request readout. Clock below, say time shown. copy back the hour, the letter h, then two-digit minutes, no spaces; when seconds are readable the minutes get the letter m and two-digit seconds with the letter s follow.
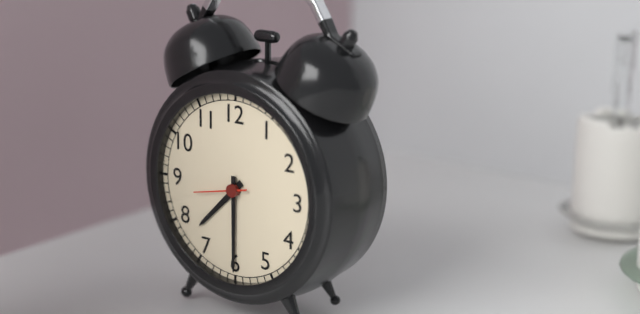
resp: 7h30m43s
